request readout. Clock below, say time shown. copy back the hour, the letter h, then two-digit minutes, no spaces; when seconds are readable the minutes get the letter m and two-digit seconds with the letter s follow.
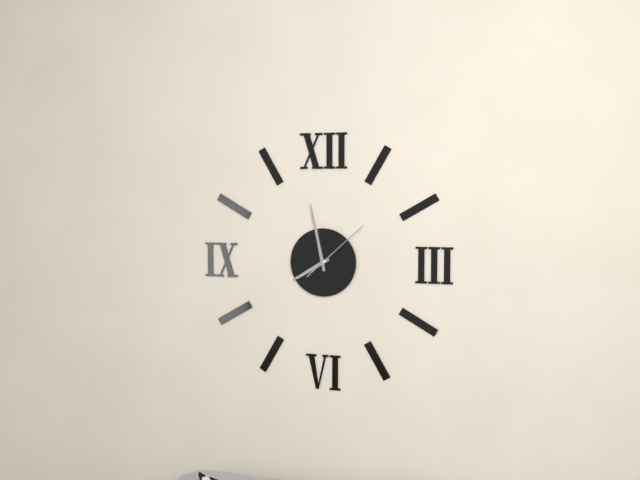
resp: 7h58m08s
